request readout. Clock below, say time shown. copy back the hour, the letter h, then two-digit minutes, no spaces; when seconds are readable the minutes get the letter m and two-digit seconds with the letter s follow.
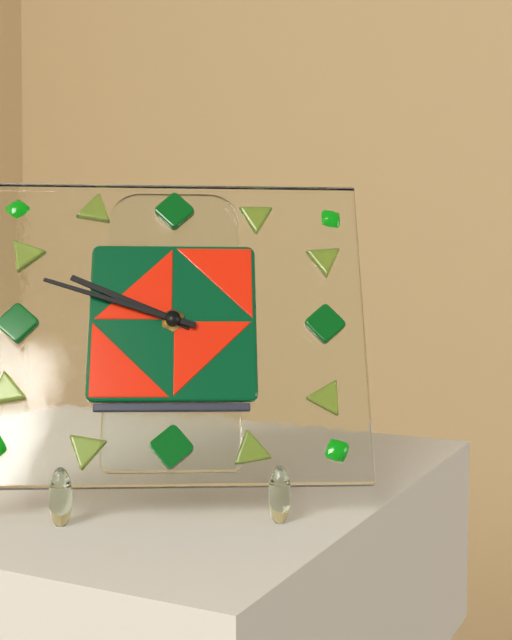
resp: 9h48
